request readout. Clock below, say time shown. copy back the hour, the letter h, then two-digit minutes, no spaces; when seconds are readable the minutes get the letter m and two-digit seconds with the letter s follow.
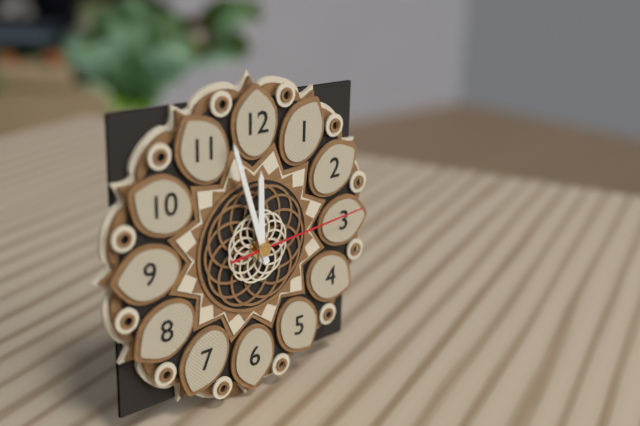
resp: 11h57m14s
